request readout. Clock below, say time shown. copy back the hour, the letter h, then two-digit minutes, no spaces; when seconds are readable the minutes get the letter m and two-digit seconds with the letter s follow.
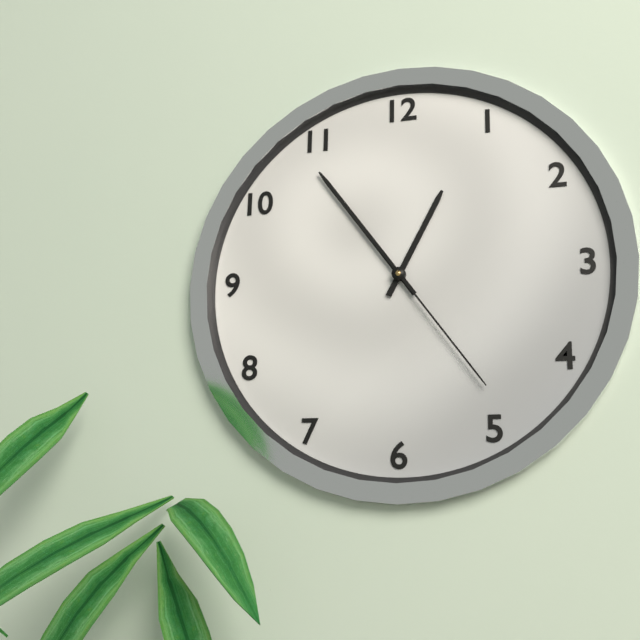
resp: 12h54m24s
